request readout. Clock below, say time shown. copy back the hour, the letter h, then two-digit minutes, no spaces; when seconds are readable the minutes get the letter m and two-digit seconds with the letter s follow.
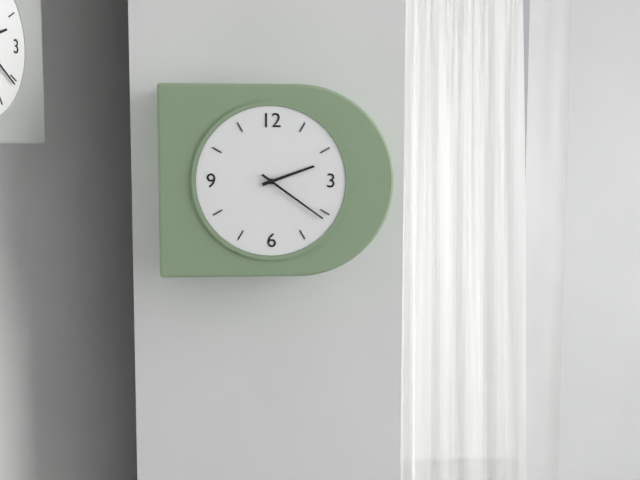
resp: 2h21
